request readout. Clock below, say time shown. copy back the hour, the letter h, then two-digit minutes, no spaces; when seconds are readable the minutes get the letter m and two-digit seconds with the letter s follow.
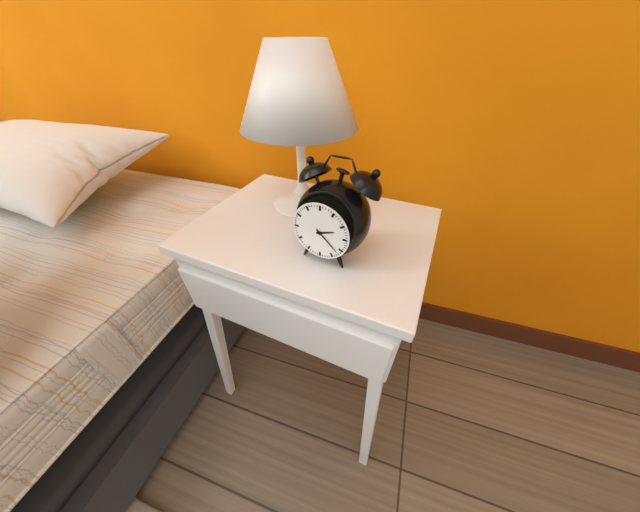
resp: 2h22
